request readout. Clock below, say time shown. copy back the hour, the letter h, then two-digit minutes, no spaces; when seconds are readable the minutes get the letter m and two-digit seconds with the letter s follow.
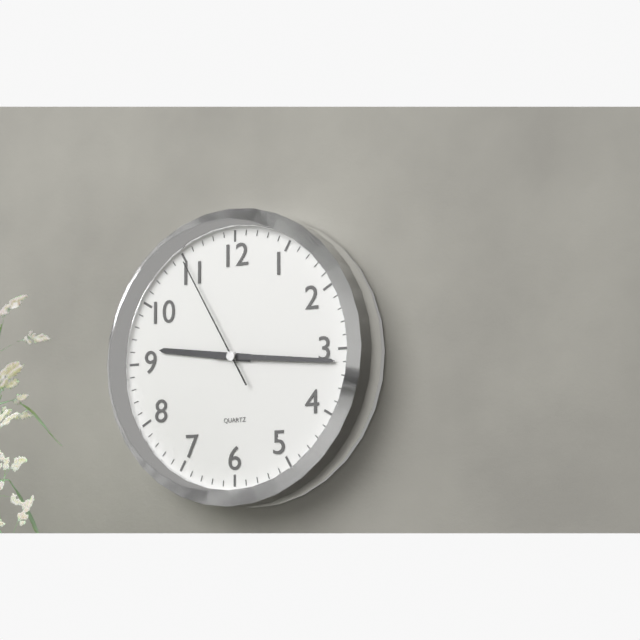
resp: 9h16m55s
